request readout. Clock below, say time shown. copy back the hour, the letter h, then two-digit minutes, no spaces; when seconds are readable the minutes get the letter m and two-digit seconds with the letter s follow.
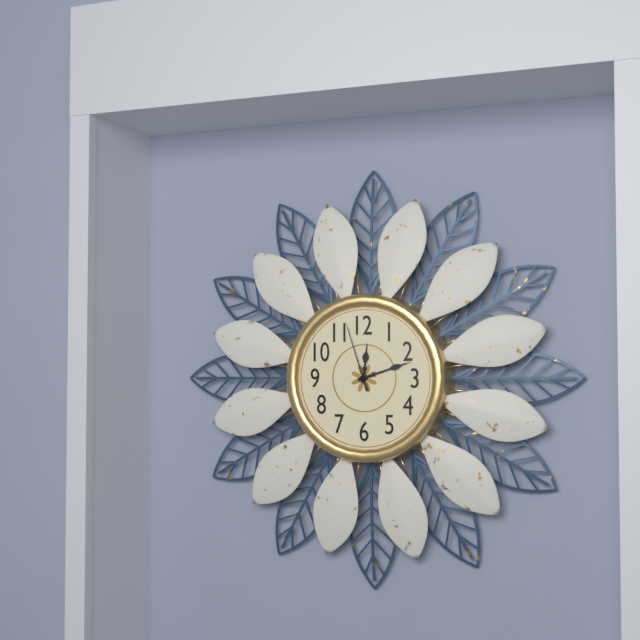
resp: 12h12m57s
